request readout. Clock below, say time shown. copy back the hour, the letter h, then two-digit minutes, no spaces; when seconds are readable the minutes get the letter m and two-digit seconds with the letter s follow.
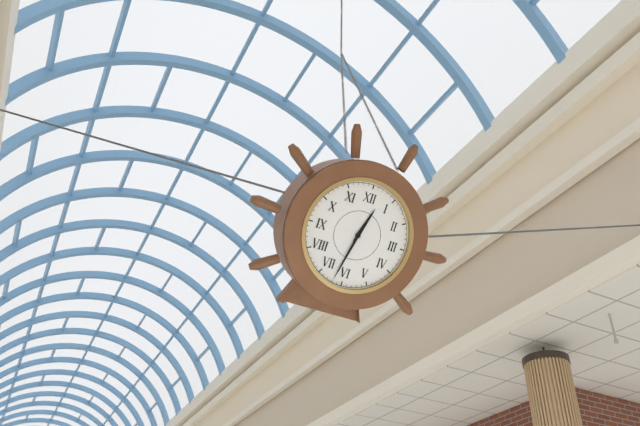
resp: 12h32
